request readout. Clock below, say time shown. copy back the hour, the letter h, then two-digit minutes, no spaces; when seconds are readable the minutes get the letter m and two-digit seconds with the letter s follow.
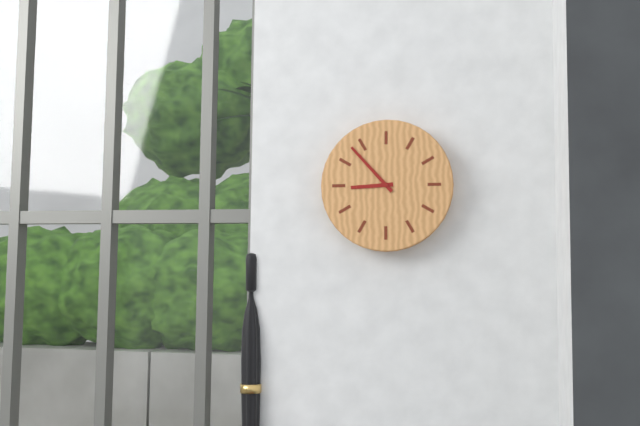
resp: 8h53
